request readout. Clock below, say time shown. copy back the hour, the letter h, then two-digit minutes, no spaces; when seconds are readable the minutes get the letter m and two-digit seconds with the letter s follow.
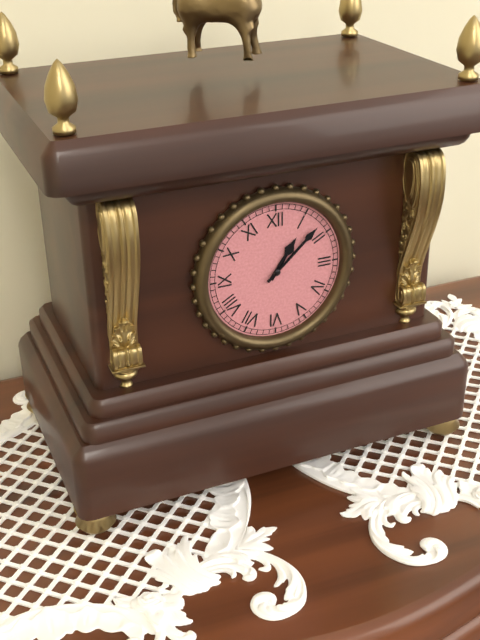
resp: 1h08
